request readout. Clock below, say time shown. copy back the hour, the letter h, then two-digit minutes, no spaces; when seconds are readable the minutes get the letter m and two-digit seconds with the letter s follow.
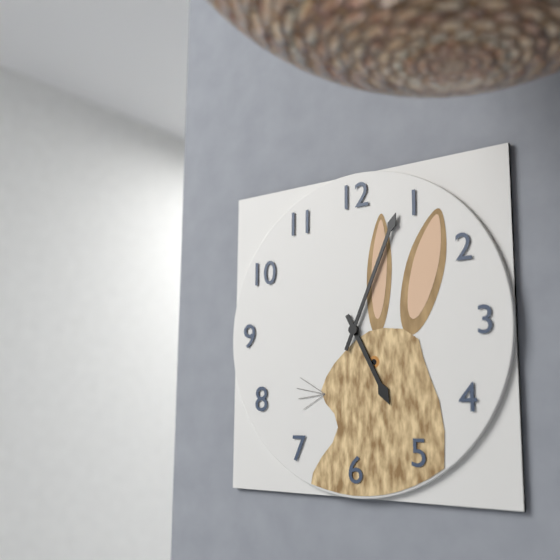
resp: 5h04
